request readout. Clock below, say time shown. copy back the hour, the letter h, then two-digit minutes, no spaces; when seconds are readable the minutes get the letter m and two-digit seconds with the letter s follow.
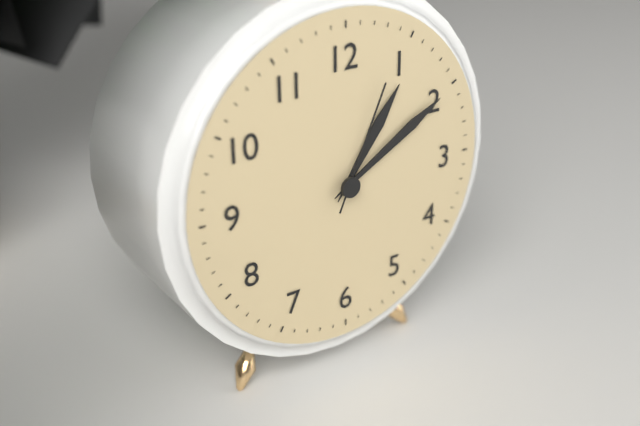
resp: 1h10m04s
